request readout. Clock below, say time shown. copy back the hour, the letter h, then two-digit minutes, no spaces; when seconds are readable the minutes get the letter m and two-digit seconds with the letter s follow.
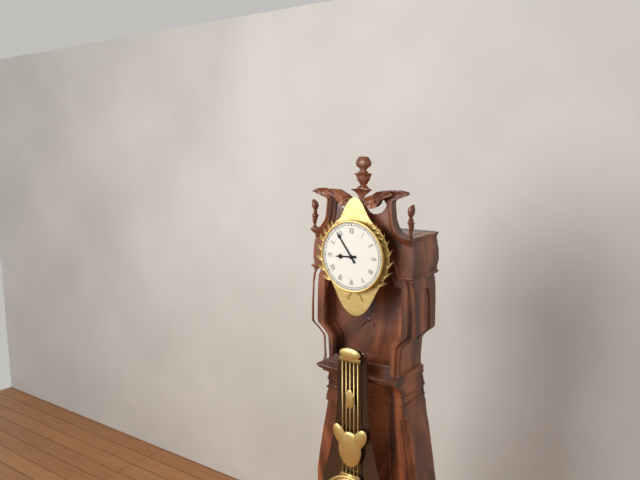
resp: 8h54
